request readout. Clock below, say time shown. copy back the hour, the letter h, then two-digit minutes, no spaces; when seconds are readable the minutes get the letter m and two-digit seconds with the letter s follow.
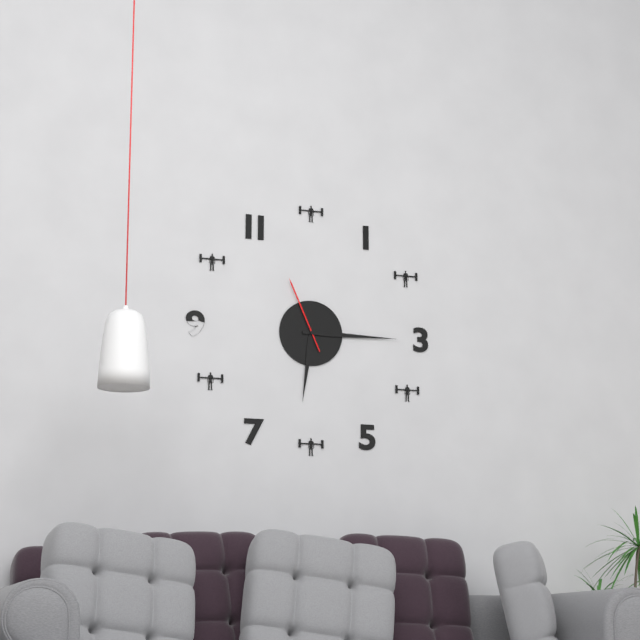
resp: 6h15m56s
